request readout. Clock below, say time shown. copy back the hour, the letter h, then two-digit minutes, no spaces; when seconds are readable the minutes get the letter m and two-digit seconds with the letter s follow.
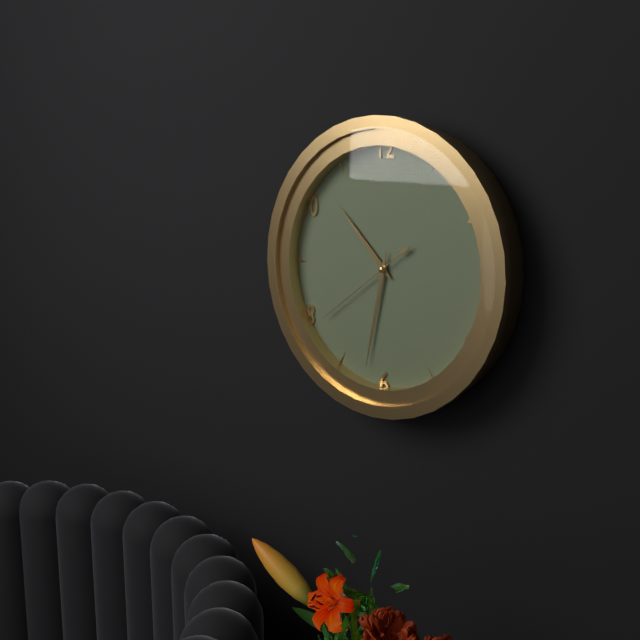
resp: 10h32m39s
